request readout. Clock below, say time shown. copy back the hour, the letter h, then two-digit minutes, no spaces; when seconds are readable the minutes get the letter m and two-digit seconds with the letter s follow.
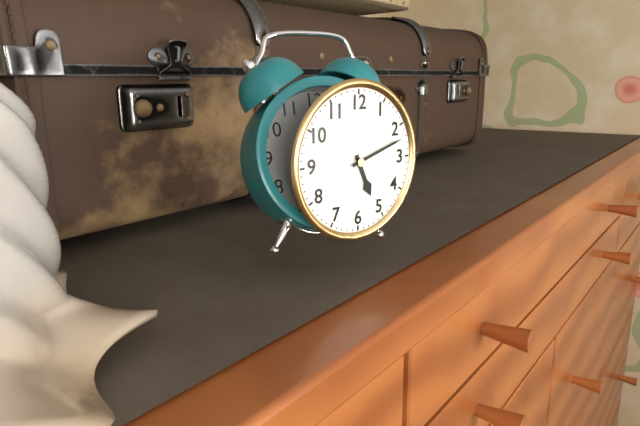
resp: 5h12
